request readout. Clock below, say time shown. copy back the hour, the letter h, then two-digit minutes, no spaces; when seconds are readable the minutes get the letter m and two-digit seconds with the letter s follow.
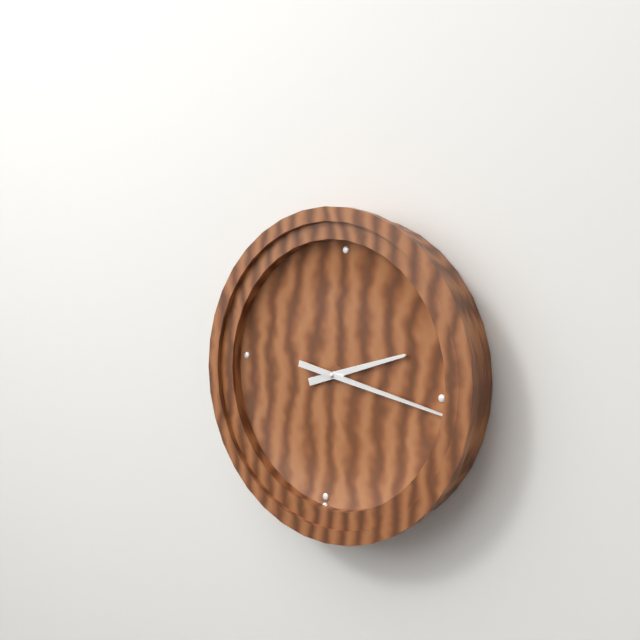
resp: 2h16
